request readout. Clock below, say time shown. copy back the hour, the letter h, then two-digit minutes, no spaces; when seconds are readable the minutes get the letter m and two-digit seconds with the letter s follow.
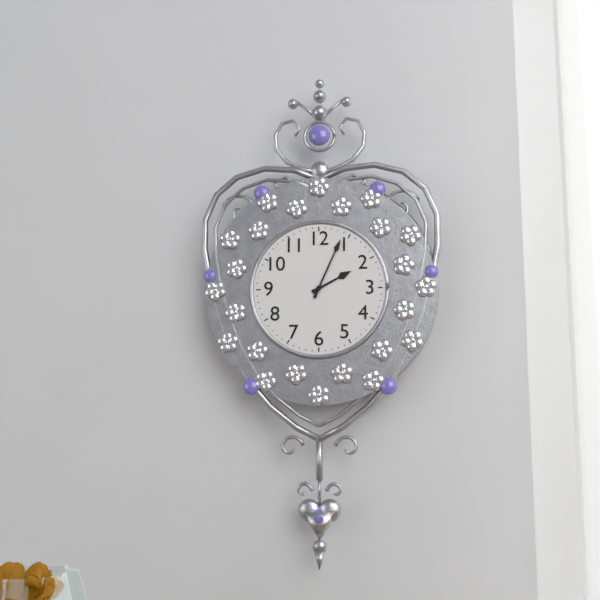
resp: 2h04
